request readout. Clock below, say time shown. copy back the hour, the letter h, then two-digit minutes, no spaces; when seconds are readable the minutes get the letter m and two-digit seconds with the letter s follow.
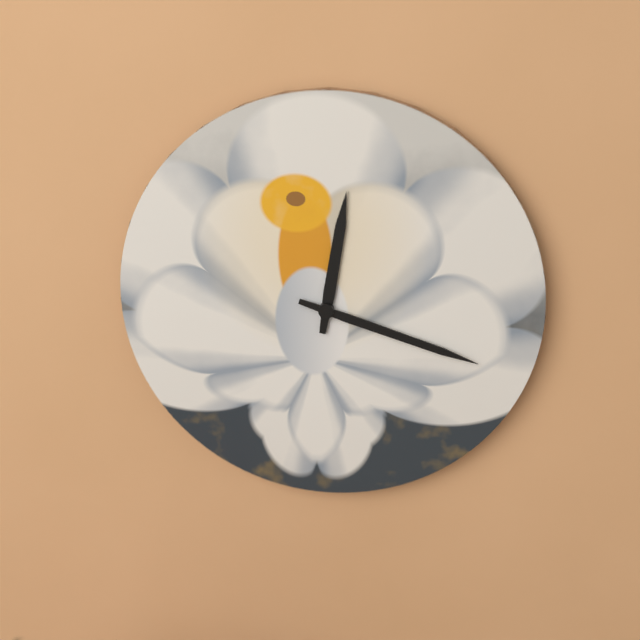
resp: 12h18
